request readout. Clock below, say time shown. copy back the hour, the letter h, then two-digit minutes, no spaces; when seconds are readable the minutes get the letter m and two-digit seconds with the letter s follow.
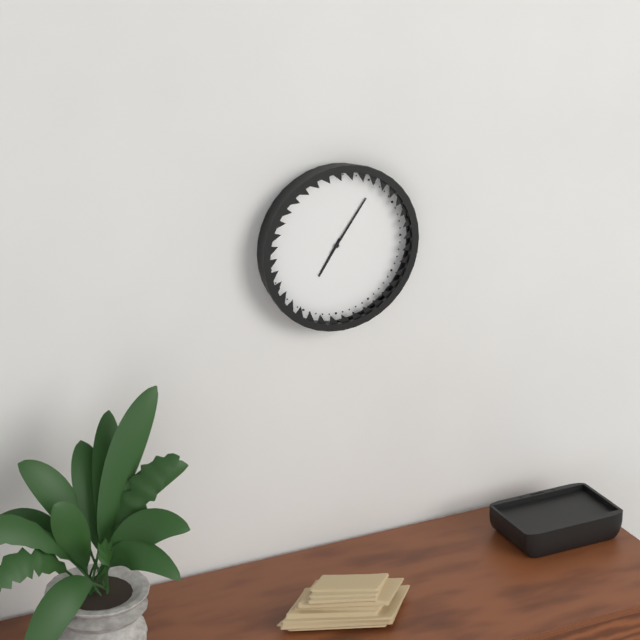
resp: 7h06
